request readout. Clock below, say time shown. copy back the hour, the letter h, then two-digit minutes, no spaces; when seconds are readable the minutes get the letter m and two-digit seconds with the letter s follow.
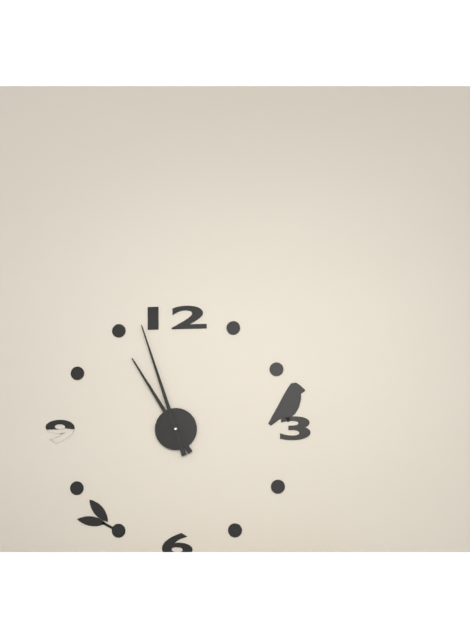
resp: 10h57
